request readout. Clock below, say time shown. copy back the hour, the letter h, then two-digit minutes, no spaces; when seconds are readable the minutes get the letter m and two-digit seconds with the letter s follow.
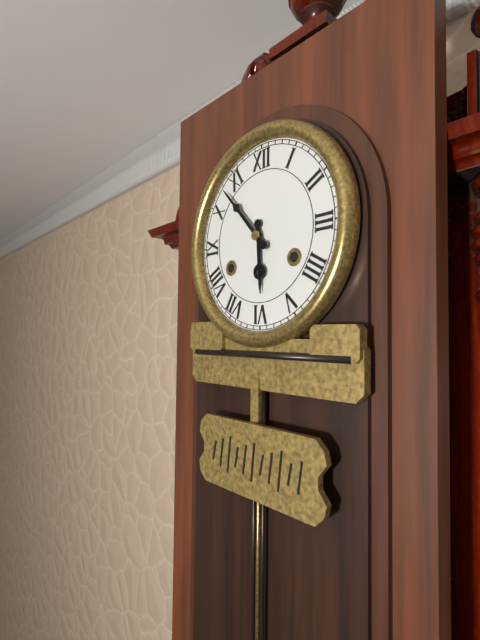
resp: 5h53
